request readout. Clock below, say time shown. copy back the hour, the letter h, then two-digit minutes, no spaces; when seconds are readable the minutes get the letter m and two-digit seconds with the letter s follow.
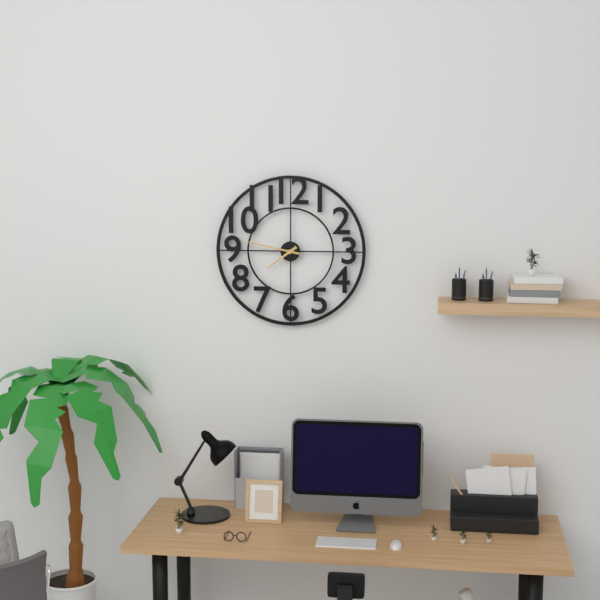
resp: 7h47
